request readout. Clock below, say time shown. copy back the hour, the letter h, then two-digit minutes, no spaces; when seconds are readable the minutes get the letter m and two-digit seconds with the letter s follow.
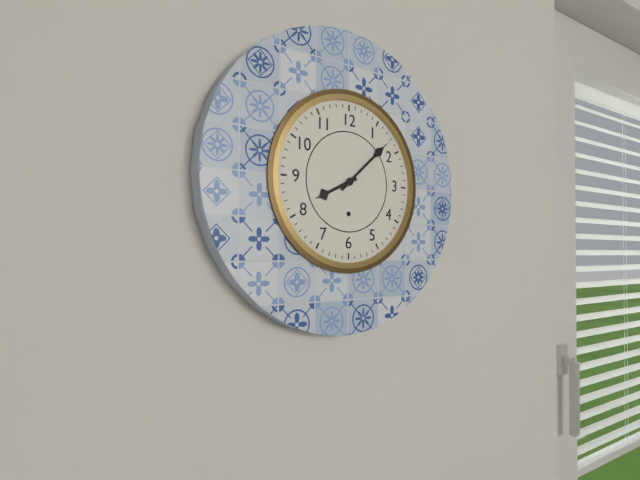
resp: 8h08
